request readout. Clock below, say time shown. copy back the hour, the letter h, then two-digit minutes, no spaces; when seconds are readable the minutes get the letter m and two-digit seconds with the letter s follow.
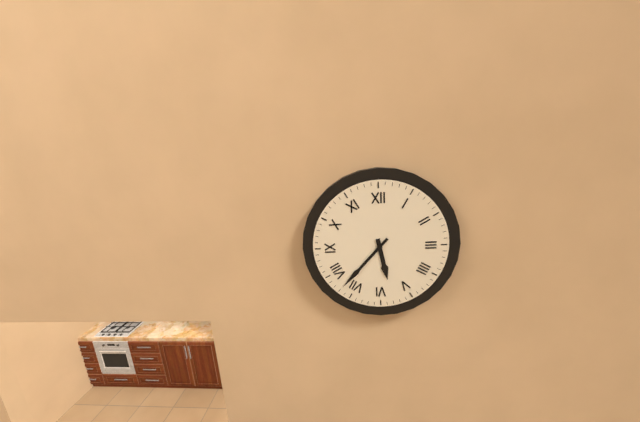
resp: 5h37
